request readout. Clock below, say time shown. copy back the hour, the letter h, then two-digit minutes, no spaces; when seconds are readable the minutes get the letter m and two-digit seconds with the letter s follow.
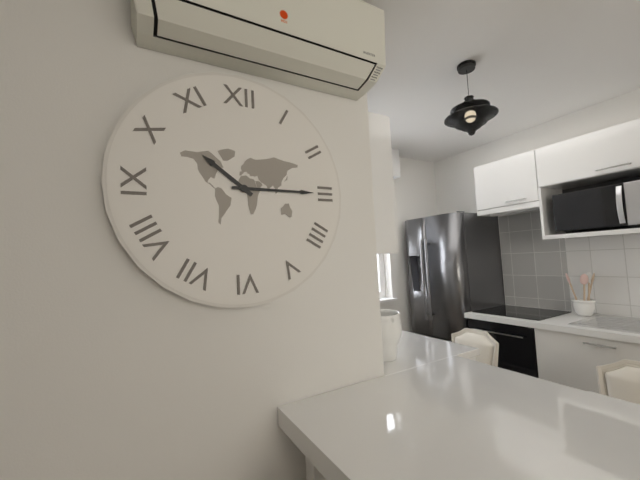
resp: 10h15
